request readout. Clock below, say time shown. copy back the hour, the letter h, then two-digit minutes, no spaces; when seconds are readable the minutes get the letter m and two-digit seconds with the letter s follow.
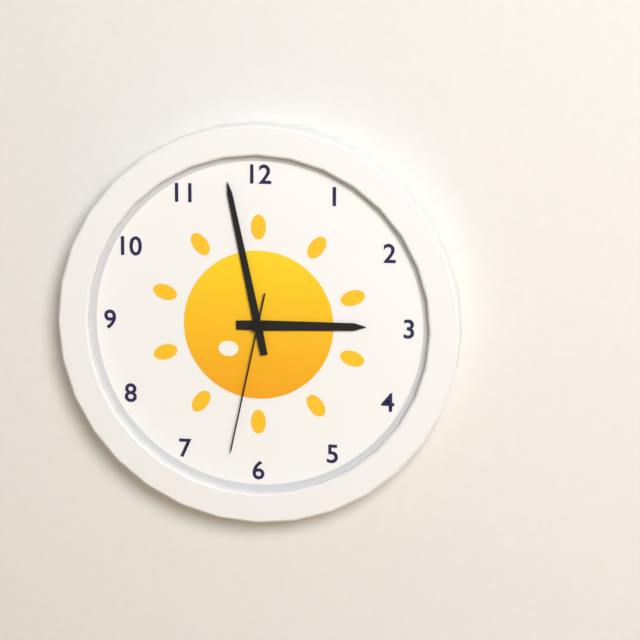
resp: 2h58m32s
